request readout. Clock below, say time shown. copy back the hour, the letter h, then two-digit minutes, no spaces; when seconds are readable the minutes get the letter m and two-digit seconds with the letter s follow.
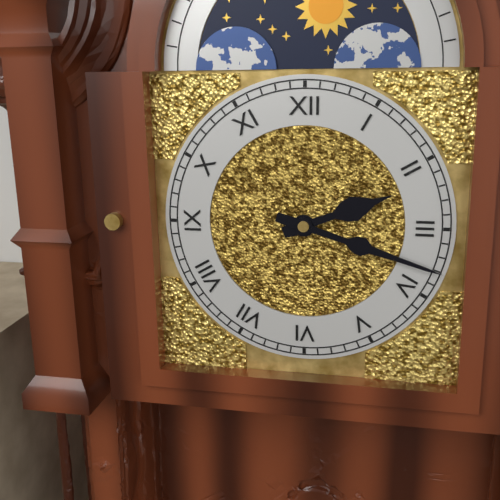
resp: 2h18
